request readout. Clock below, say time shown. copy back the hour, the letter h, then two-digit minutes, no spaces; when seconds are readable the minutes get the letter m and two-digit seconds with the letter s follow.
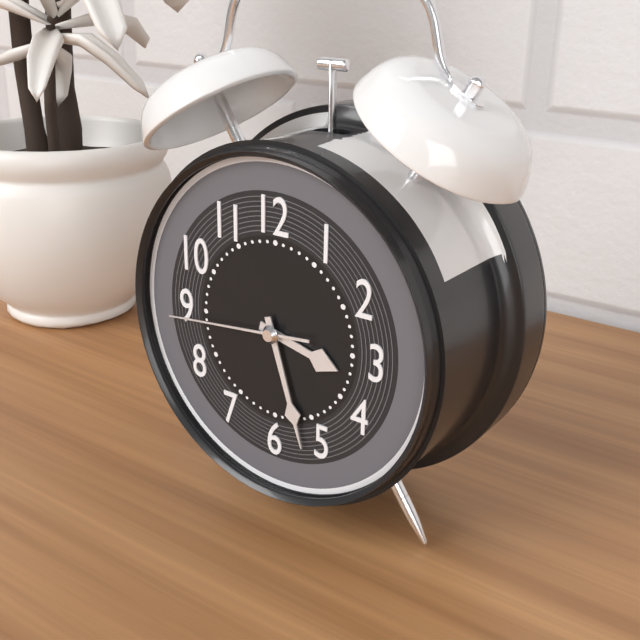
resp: 3h27m44s
